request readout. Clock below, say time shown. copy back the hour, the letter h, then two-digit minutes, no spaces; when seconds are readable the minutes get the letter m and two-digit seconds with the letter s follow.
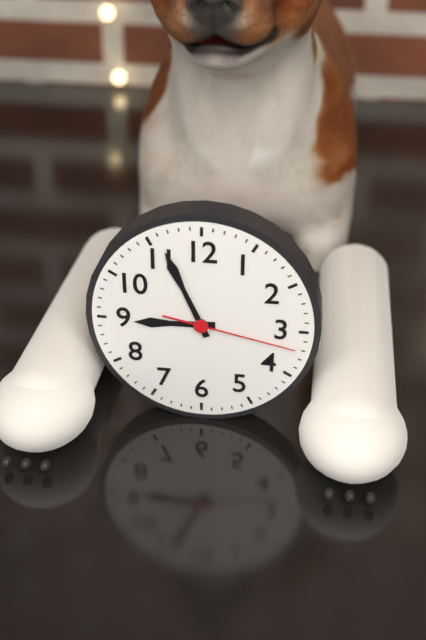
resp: 8h56m17s
